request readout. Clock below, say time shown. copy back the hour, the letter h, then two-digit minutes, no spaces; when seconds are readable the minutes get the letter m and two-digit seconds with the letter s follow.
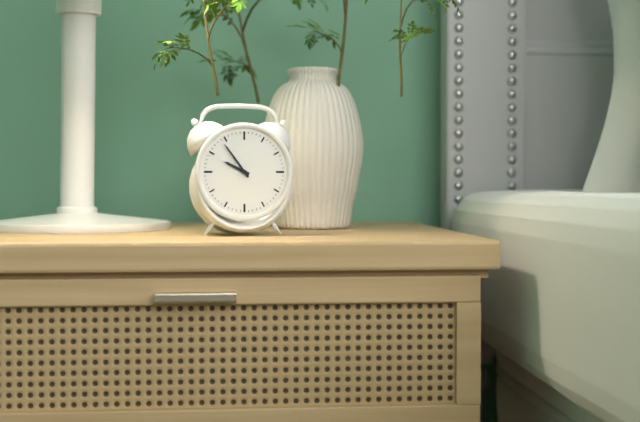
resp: 9h54
